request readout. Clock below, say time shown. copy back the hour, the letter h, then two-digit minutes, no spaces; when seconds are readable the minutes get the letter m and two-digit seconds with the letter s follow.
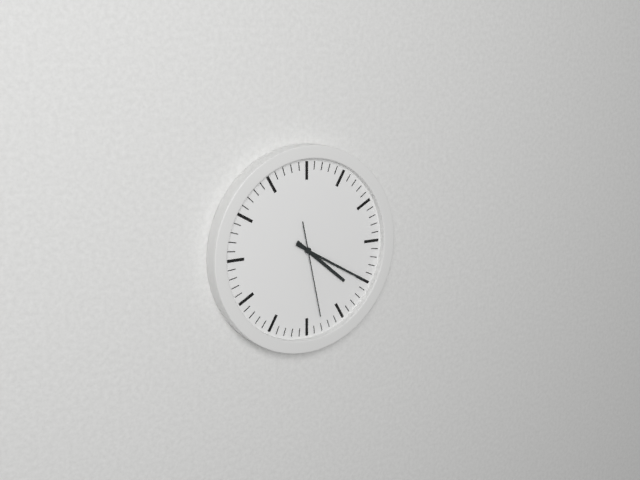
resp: 4h20m28s
